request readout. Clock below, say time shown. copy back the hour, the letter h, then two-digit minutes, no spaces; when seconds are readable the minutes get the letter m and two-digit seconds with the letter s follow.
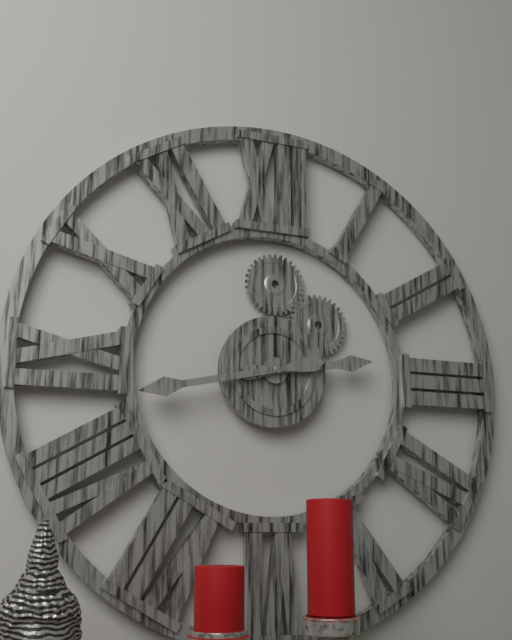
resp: 2h43
